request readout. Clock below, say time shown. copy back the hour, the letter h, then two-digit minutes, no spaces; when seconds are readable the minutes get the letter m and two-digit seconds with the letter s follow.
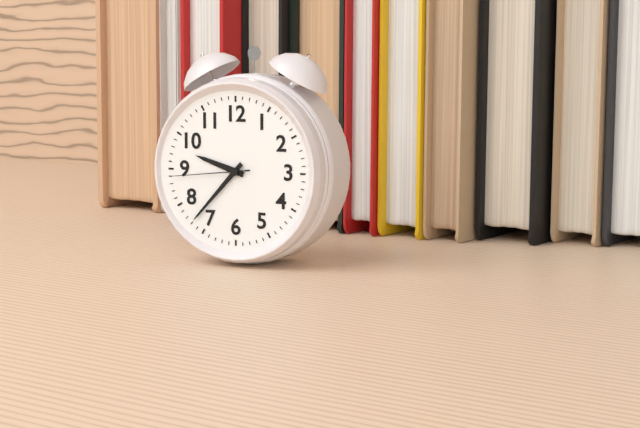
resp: 9h37m44s
